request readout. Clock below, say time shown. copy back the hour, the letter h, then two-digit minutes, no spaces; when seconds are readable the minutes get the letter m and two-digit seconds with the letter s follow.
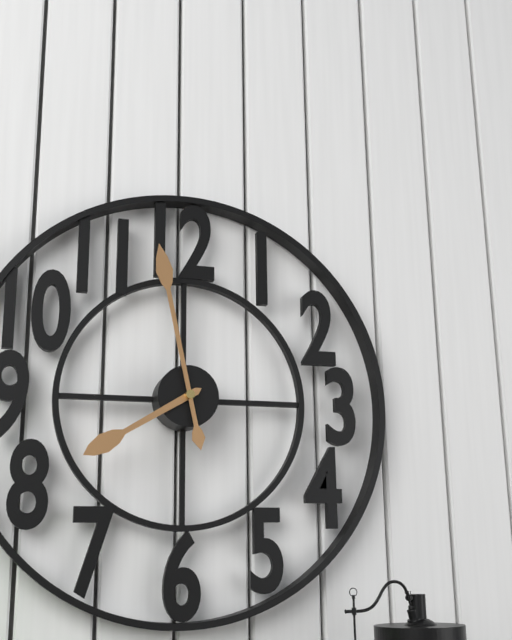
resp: 7h58
